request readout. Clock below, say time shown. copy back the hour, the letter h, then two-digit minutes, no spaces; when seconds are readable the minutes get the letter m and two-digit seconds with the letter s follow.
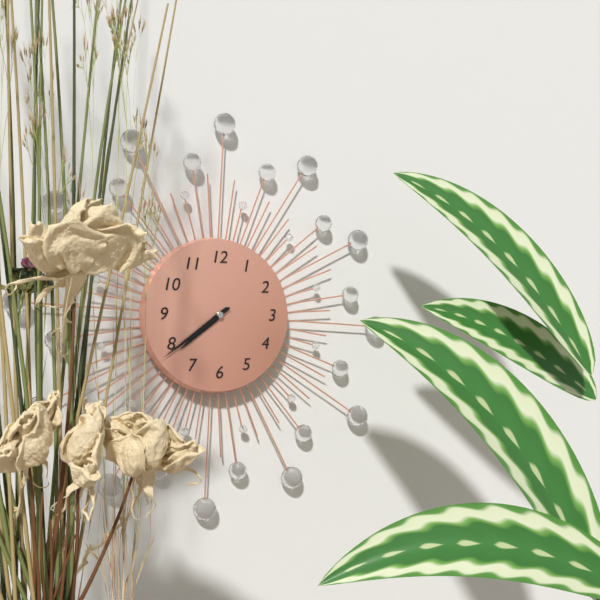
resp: 7h39
